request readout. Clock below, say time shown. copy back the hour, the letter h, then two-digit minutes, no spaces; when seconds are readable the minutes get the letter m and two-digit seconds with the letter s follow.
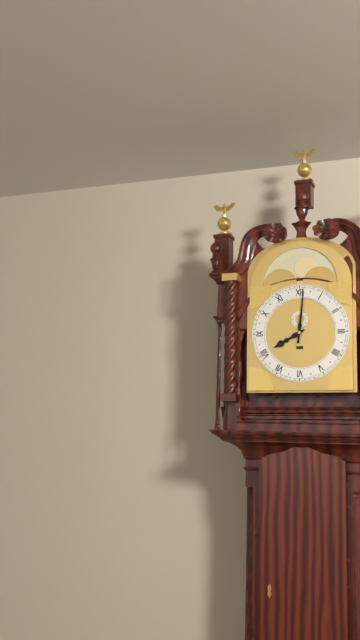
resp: 8h01
